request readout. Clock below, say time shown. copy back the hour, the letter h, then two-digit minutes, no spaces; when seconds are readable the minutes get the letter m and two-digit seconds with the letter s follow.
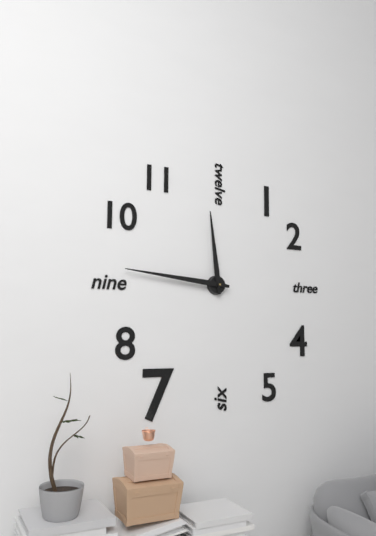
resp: 11h46
